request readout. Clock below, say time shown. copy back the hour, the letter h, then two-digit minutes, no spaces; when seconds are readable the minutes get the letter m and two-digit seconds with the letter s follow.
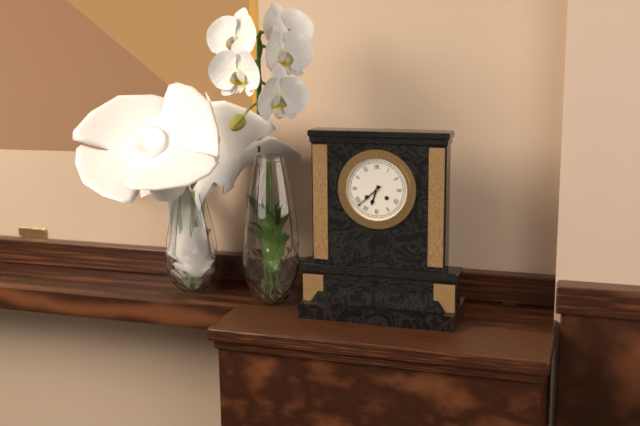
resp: 6h38
